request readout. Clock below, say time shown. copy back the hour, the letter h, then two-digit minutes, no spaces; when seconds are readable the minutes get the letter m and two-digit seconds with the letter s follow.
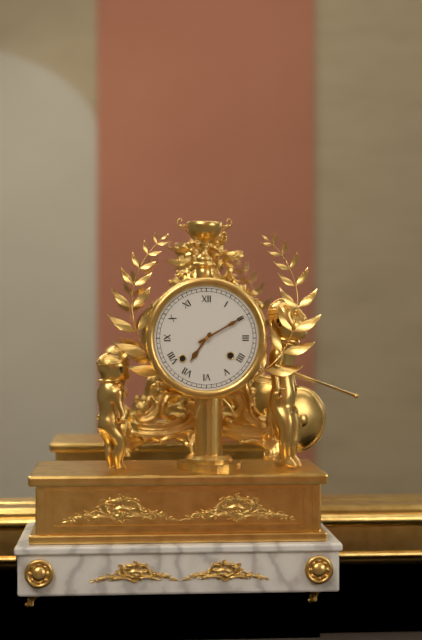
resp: 7h10
